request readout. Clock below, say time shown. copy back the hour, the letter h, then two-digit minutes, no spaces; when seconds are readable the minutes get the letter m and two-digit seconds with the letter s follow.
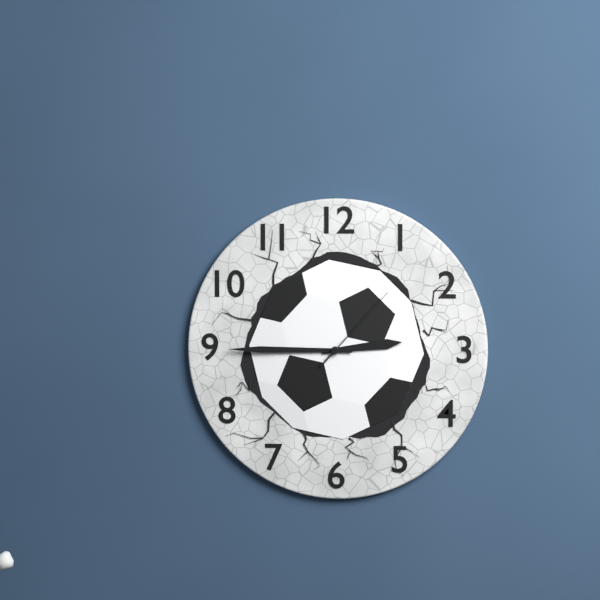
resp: 2h45m07s
